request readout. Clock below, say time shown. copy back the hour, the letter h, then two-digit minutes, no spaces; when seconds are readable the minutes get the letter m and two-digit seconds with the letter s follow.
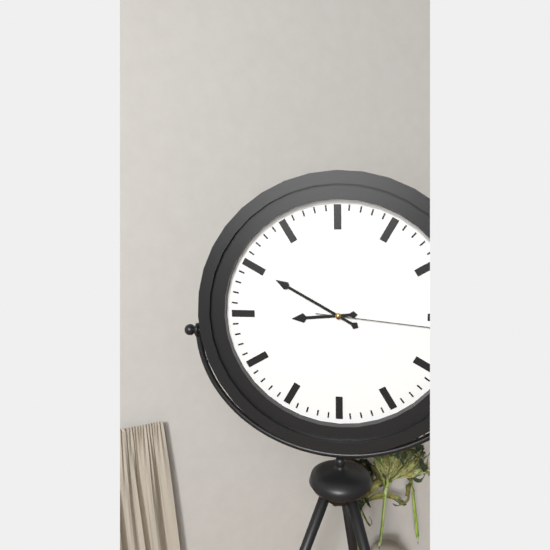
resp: 8h50m16s
